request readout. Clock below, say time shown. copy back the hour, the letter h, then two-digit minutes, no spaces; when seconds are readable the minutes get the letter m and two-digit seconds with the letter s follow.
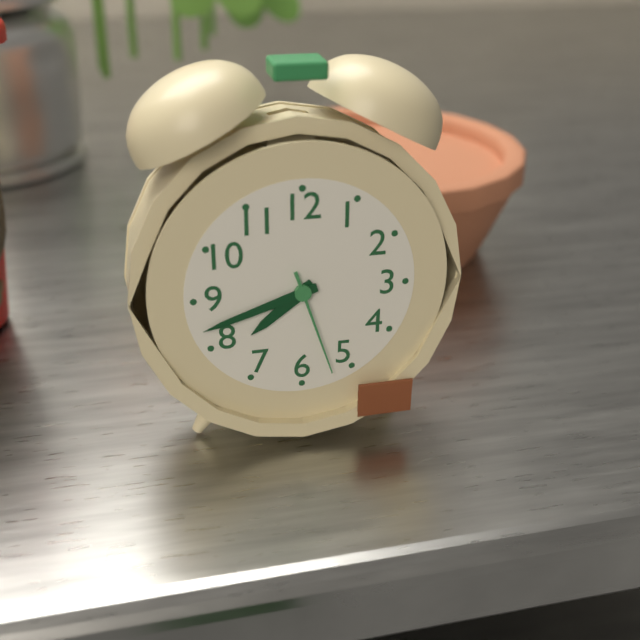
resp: 7h42m27s
